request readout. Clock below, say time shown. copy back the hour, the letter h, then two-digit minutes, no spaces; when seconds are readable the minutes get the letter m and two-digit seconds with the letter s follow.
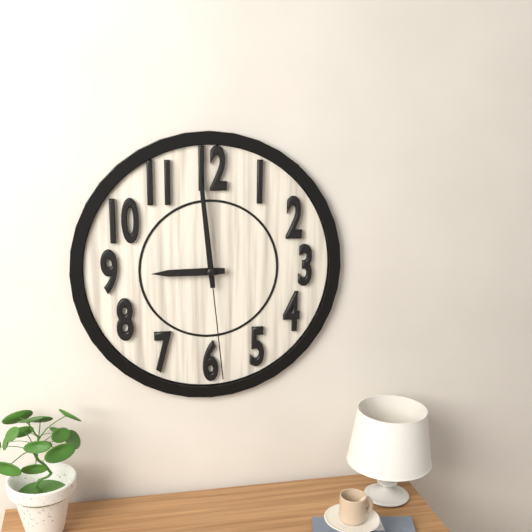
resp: 8h59m29s
